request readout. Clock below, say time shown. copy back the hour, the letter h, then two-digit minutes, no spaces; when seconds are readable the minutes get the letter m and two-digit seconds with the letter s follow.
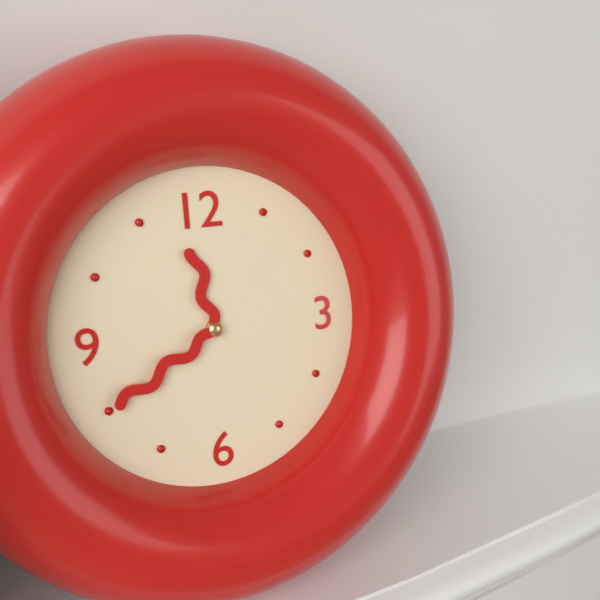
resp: 11h40
